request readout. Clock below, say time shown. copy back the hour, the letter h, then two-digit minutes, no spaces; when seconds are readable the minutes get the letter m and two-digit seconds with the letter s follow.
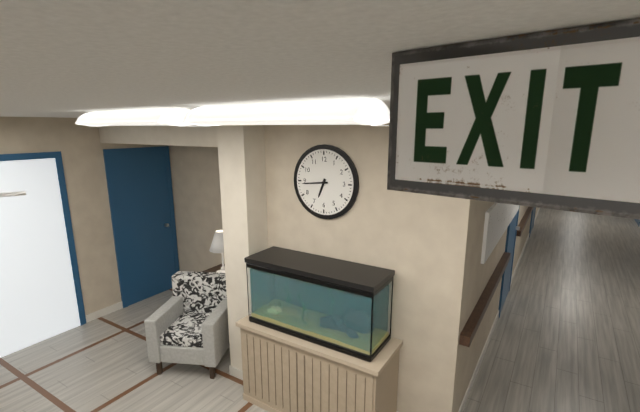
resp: 6h44
